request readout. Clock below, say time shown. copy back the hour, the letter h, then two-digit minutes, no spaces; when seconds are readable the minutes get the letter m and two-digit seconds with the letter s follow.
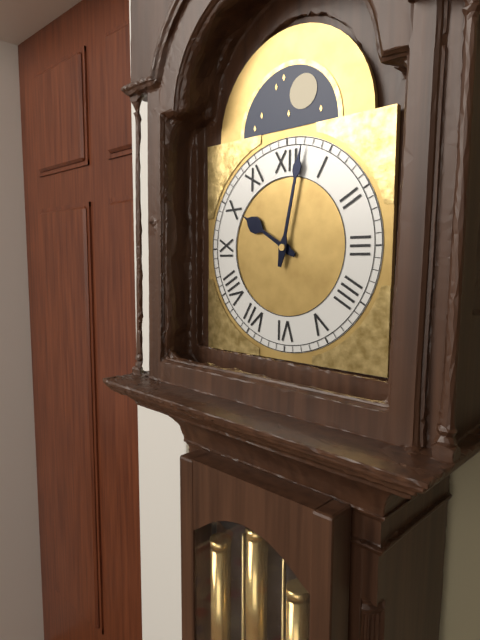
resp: 10h02
